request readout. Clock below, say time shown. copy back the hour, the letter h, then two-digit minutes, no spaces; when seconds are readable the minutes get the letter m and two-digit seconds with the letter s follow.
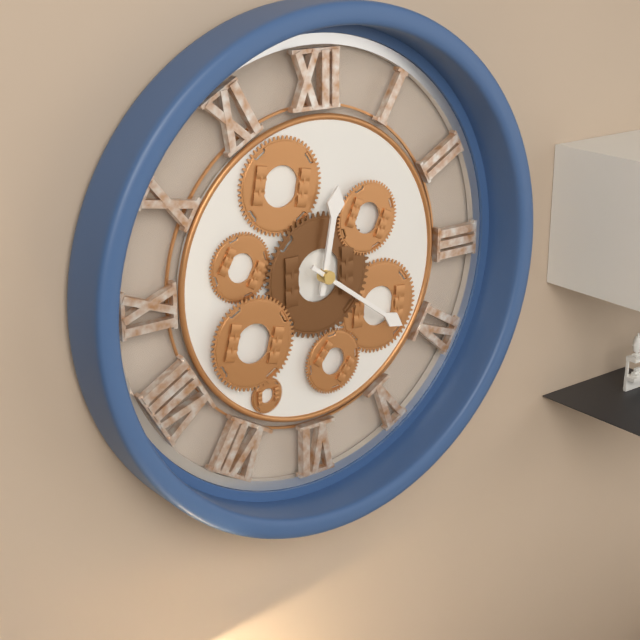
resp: 12h21
